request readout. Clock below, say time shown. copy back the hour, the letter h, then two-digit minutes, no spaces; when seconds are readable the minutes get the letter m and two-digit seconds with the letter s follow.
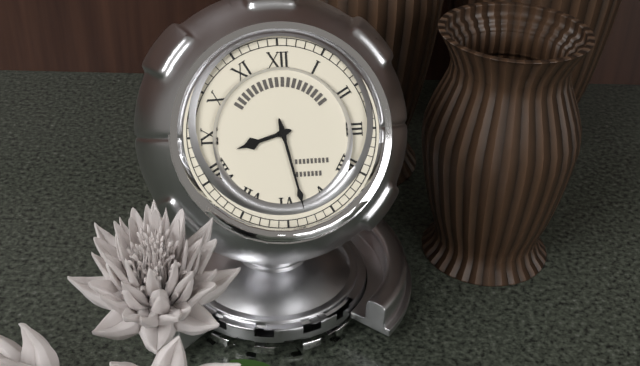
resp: 8h28
